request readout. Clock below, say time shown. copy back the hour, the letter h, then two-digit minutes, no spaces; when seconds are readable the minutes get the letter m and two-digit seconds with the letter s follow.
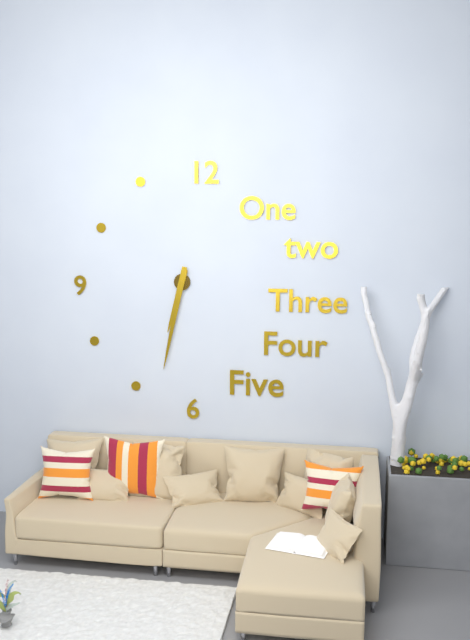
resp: 6h32
